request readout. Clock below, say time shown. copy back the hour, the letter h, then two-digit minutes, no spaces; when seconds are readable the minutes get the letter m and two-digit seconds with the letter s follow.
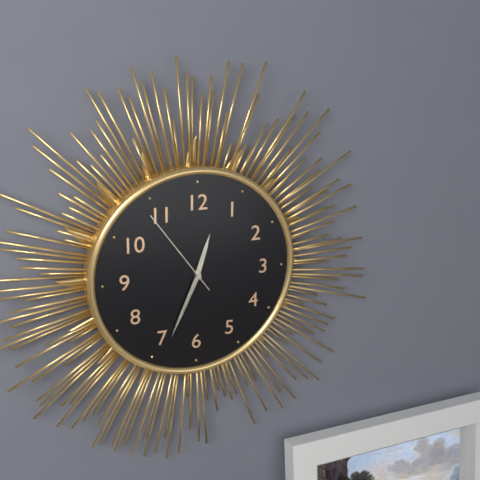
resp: 12h34m54s
